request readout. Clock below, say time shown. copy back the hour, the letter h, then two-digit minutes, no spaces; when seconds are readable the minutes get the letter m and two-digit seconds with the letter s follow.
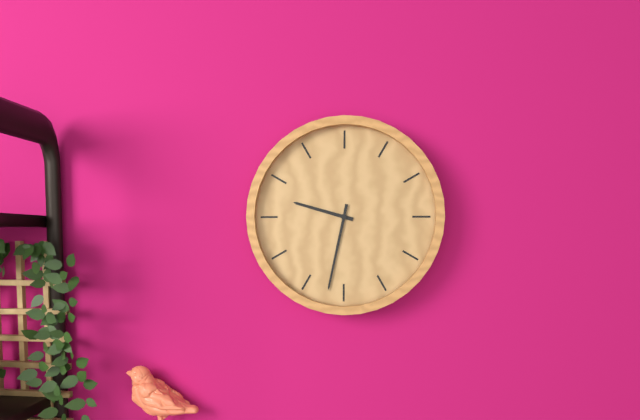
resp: 9h32
